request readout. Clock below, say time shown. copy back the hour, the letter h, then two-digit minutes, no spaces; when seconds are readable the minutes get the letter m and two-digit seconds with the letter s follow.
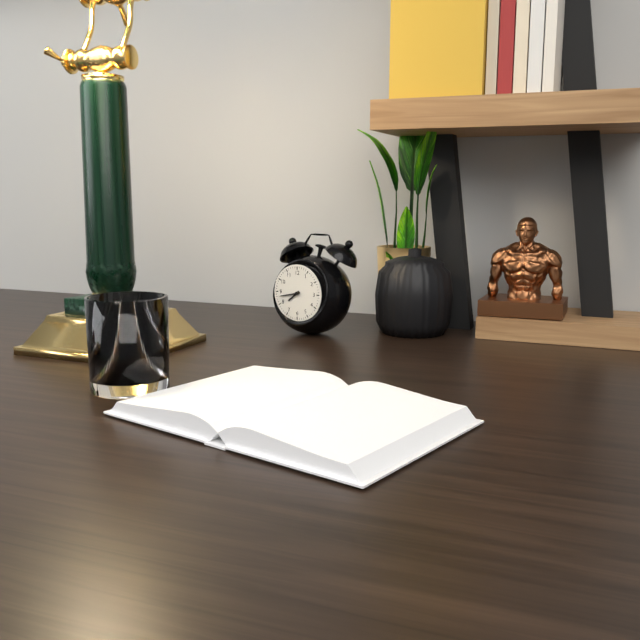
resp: 7h43
